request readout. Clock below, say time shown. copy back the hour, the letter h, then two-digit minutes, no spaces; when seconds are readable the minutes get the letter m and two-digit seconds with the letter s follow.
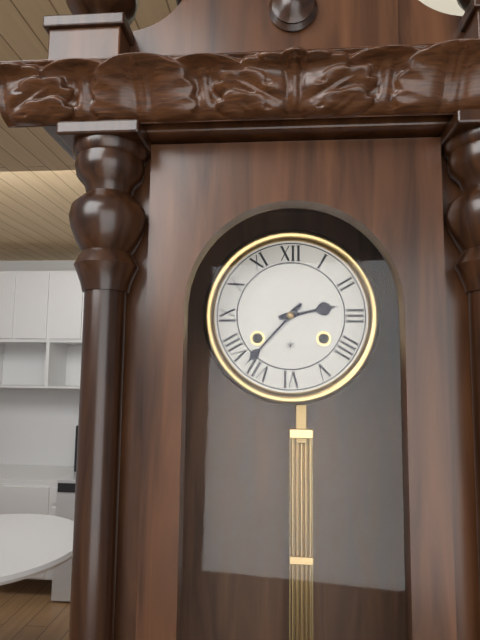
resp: 2h37
